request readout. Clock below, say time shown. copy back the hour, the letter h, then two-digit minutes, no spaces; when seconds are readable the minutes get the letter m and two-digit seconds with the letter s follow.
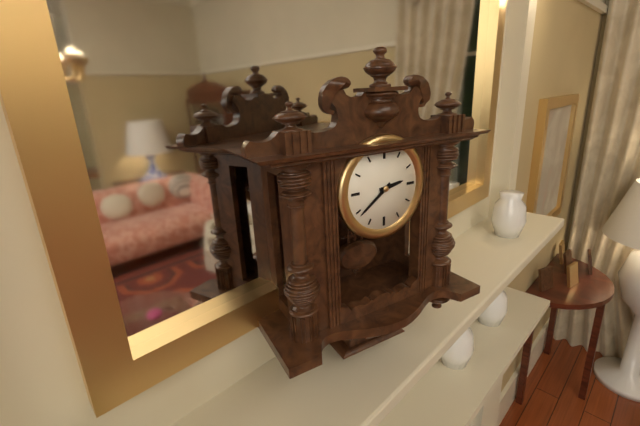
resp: 2h39
